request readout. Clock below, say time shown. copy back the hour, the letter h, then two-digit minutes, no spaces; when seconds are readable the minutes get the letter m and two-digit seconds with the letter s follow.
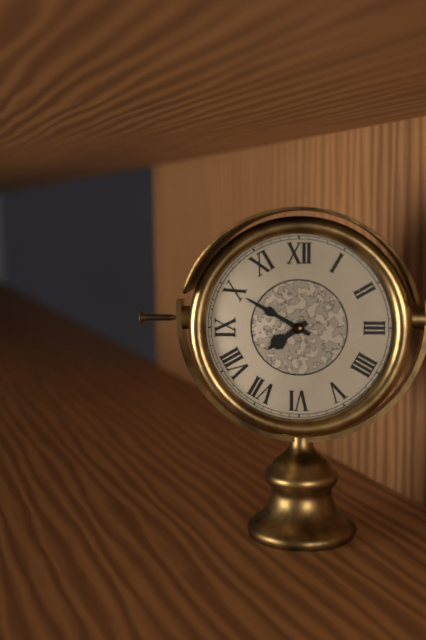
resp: 7h50
